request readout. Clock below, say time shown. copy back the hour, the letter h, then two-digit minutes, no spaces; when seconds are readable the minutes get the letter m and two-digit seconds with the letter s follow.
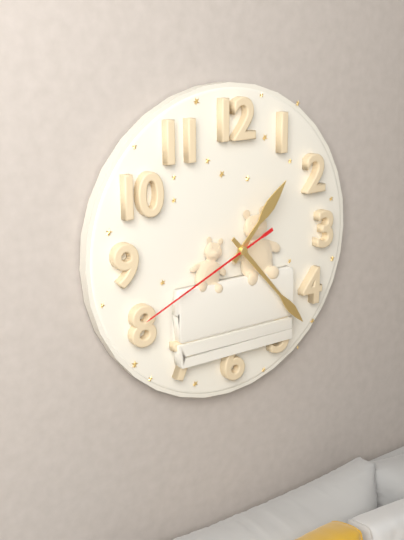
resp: 1h23m41s
